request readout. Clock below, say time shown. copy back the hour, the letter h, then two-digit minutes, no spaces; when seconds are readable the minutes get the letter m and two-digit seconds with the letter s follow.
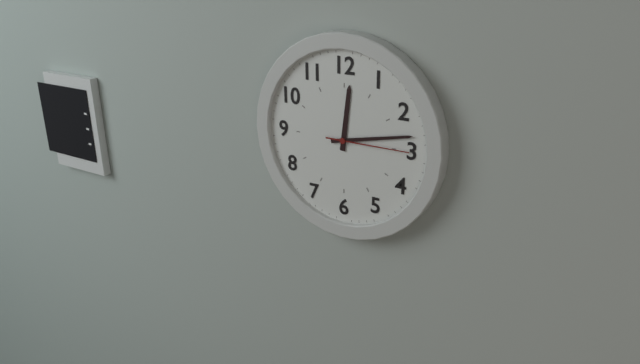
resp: 12h13m15s
